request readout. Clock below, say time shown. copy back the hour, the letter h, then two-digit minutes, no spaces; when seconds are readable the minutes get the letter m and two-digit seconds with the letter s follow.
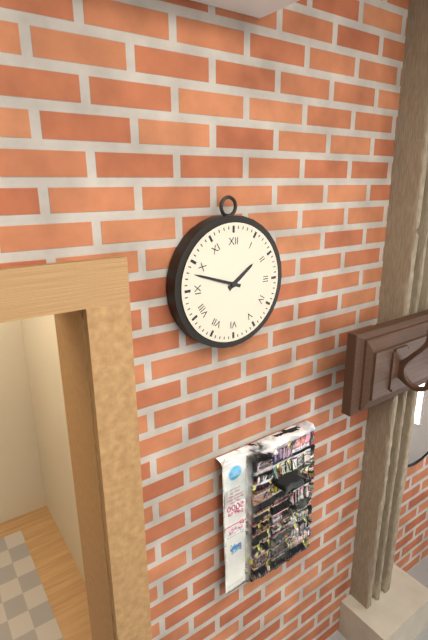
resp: 1h48
